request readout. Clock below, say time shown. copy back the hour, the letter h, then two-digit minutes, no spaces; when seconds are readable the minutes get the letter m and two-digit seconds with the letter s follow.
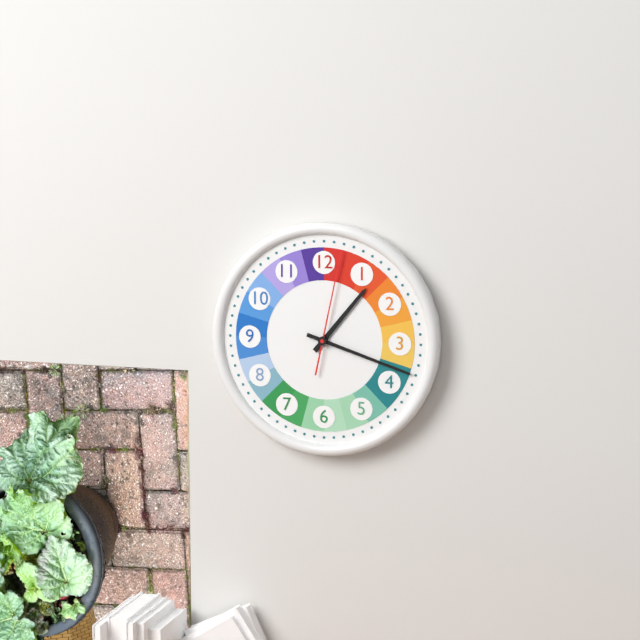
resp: 1h18m02s
